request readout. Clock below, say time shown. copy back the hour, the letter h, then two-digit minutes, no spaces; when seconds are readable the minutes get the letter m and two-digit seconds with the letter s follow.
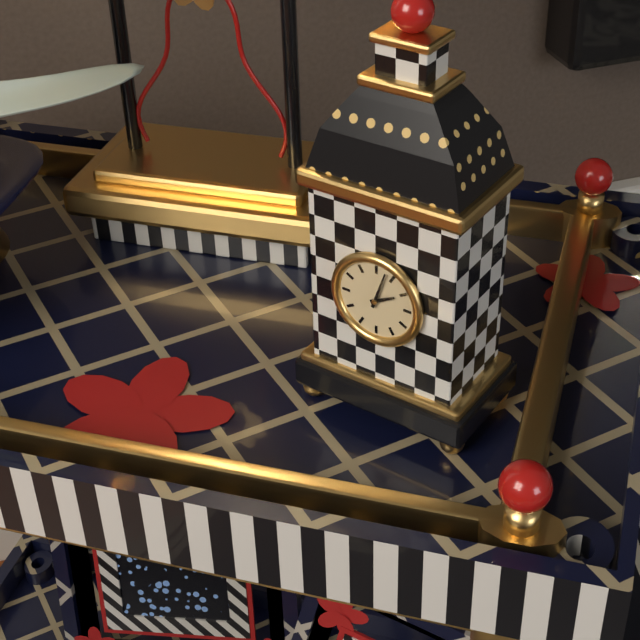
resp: 2h03
